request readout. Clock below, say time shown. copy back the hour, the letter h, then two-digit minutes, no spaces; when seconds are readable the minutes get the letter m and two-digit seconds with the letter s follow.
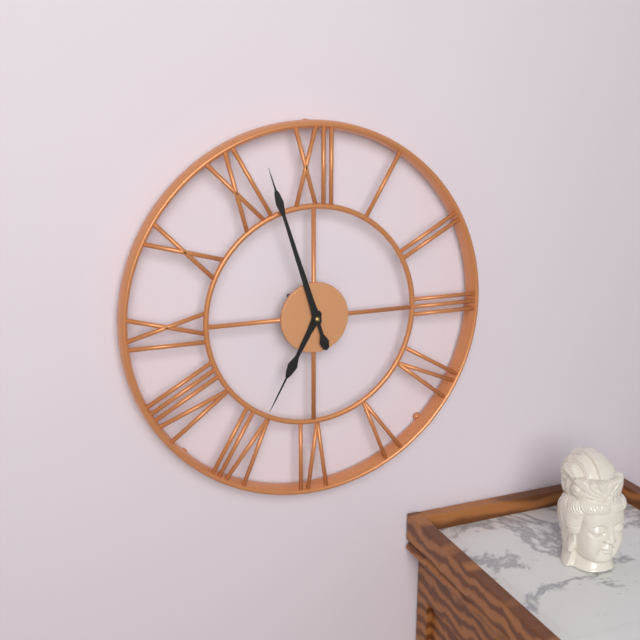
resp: 6h57
